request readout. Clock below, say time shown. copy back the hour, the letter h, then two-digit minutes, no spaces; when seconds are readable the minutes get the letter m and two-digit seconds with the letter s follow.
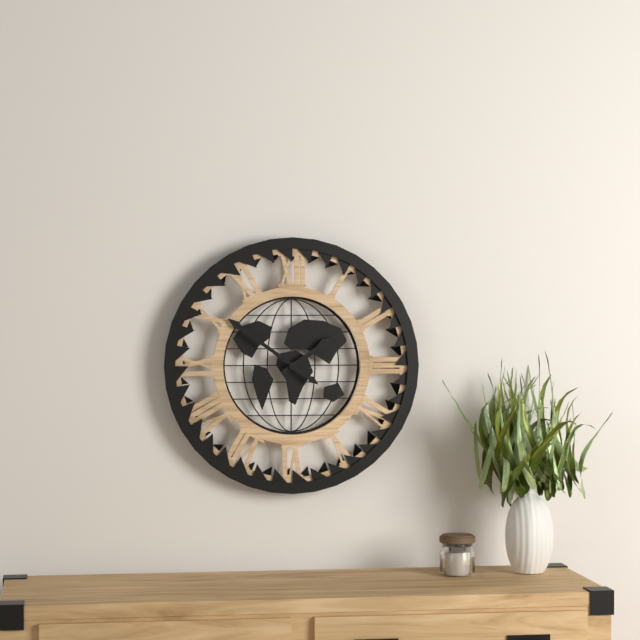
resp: 1h51
